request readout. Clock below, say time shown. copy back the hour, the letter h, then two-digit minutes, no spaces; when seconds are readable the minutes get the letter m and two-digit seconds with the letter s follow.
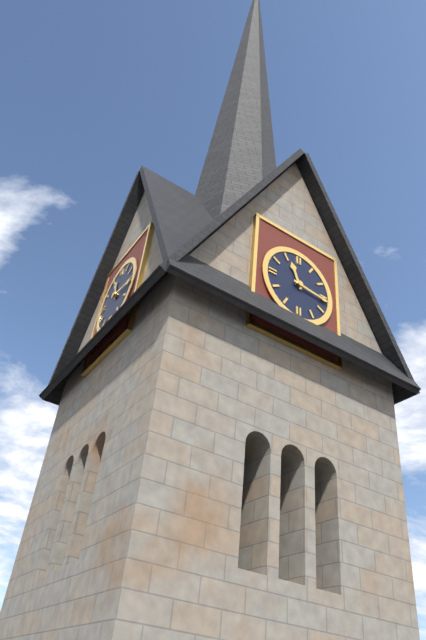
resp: 11h16
